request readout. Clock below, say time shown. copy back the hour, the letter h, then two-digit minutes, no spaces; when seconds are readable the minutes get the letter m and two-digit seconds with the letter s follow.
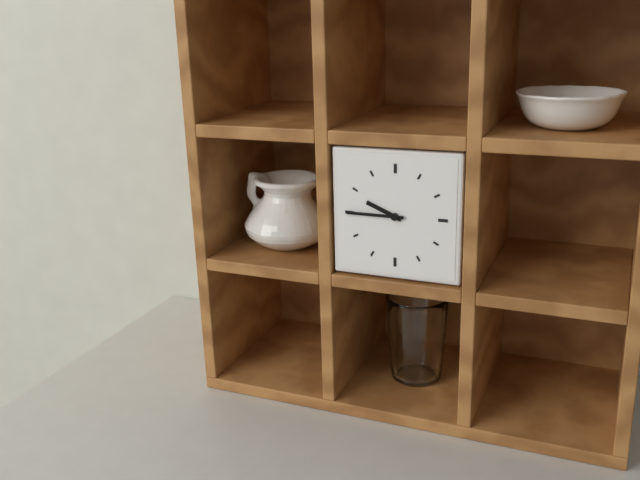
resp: 9h45
